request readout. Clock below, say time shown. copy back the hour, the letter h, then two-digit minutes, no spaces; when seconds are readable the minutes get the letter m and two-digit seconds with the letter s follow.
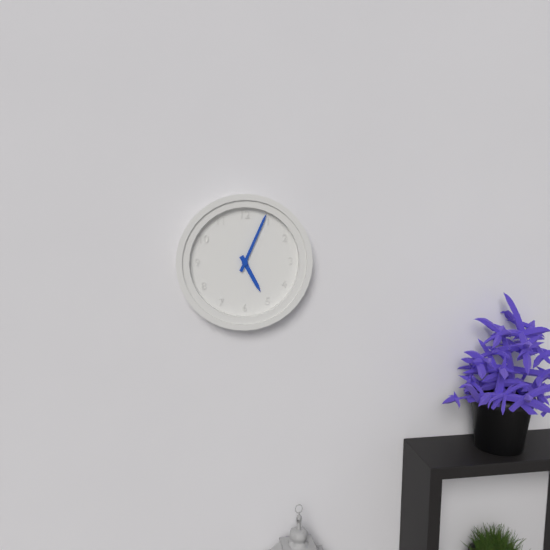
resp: 5h04
